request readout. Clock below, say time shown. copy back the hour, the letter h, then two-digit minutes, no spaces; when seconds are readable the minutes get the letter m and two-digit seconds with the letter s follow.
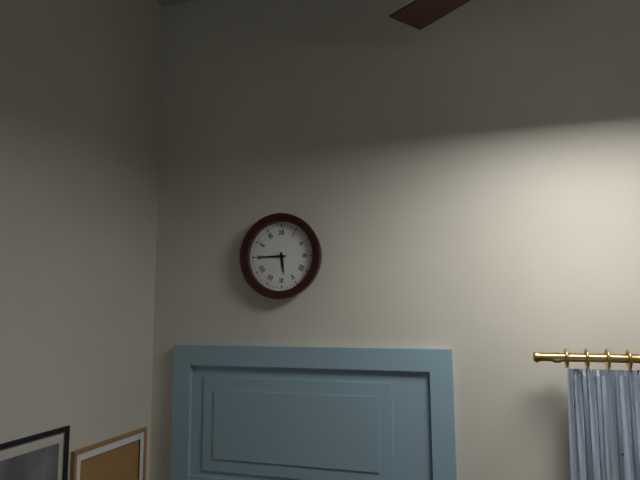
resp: 5h45
